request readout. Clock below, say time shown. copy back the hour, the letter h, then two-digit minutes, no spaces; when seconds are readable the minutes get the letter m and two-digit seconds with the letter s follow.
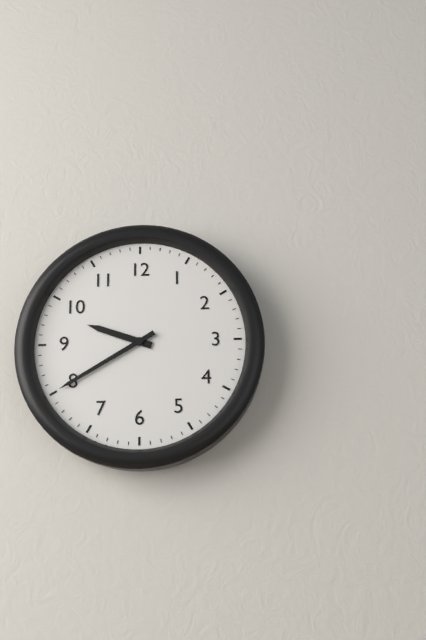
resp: 9h40
